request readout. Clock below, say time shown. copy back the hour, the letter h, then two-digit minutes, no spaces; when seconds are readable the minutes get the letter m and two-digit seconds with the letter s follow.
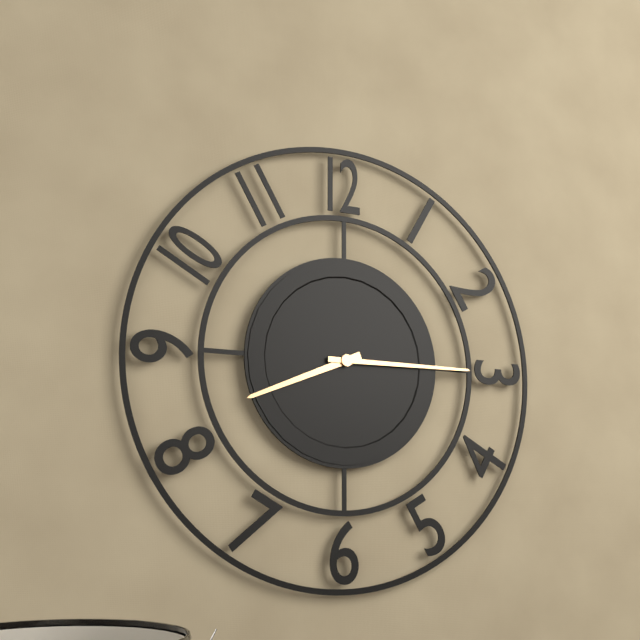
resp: 8h15
